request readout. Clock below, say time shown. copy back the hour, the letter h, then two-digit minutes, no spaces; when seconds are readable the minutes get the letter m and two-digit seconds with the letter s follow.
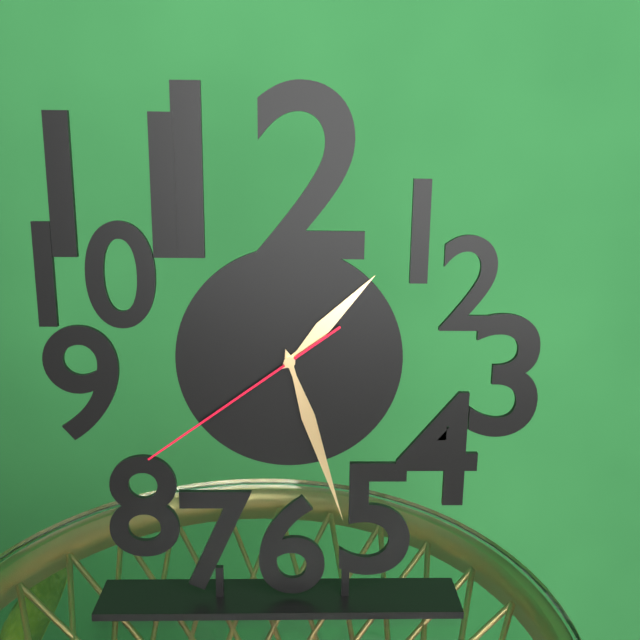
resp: 1h27m39s
